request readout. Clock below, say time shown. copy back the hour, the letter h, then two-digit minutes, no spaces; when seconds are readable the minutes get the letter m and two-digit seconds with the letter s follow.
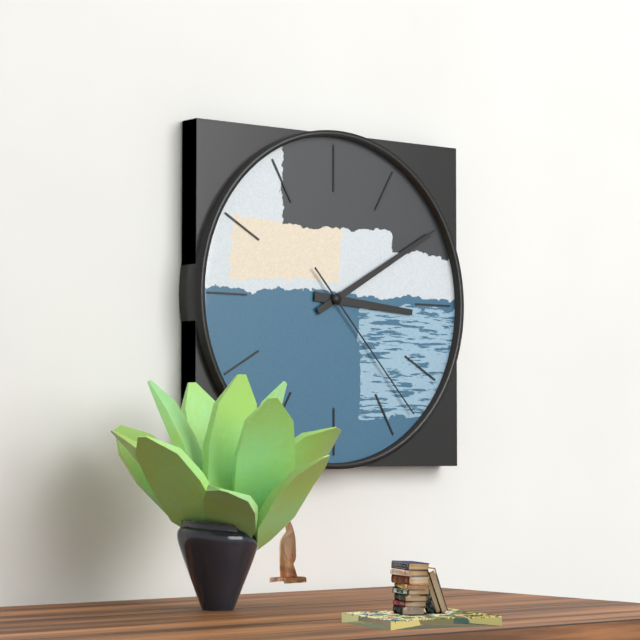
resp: 3h10m23s
